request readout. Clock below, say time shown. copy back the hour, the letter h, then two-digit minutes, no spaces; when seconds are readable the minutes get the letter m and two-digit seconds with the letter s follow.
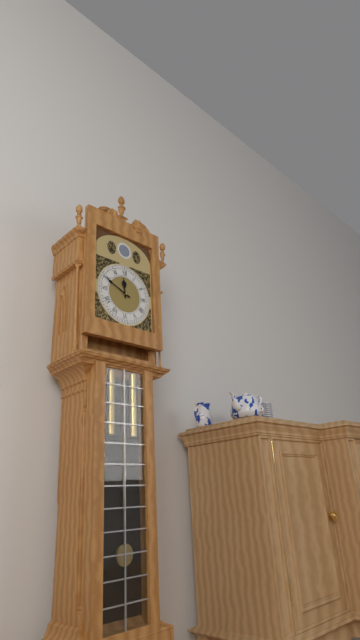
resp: 11h49
